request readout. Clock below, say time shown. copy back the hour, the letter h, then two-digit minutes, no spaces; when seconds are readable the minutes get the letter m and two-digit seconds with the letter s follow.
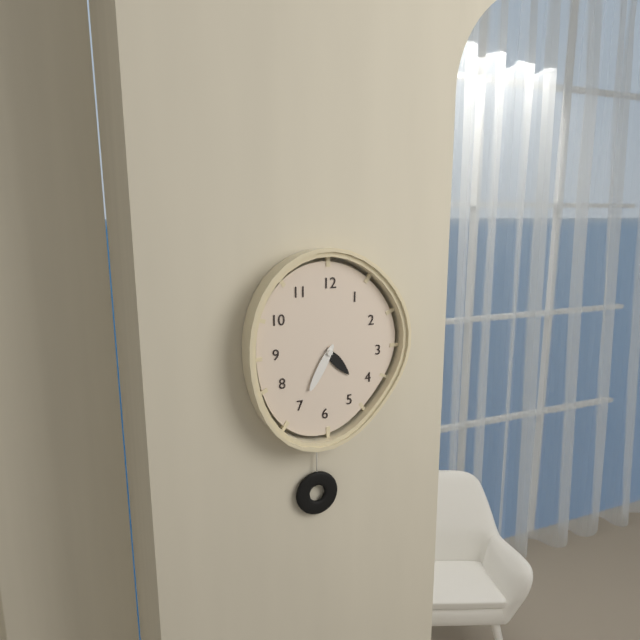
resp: 4h35
